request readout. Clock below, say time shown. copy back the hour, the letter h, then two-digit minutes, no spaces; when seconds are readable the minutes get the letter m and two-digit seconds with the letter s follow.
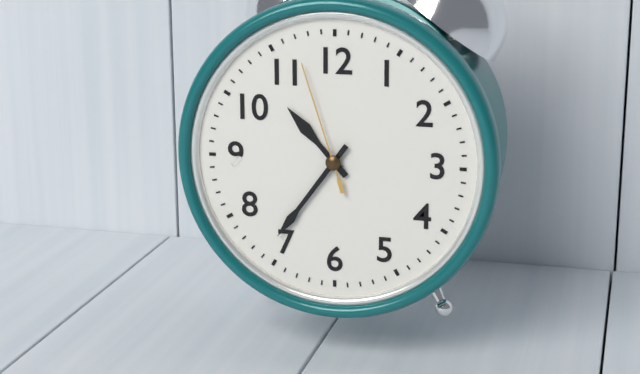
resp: 10h36m57s
